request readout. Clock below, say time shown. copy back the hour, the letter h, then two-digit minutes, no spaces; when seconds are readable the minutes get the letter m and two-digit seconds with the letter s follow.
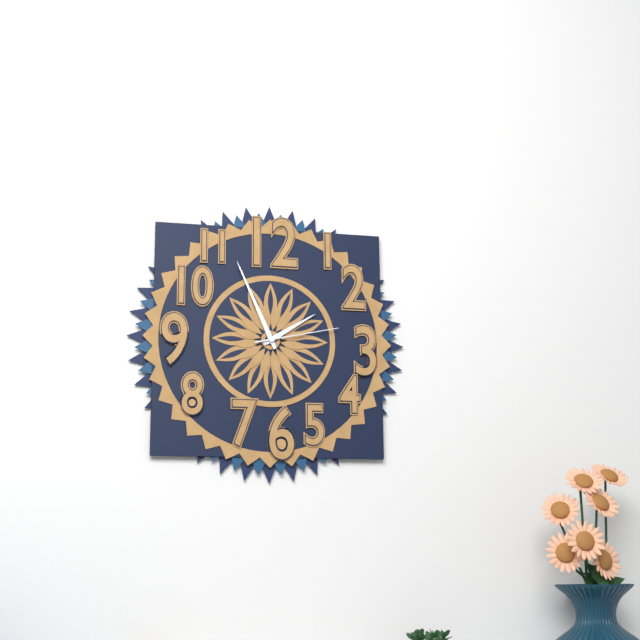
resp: 1h56m13s
